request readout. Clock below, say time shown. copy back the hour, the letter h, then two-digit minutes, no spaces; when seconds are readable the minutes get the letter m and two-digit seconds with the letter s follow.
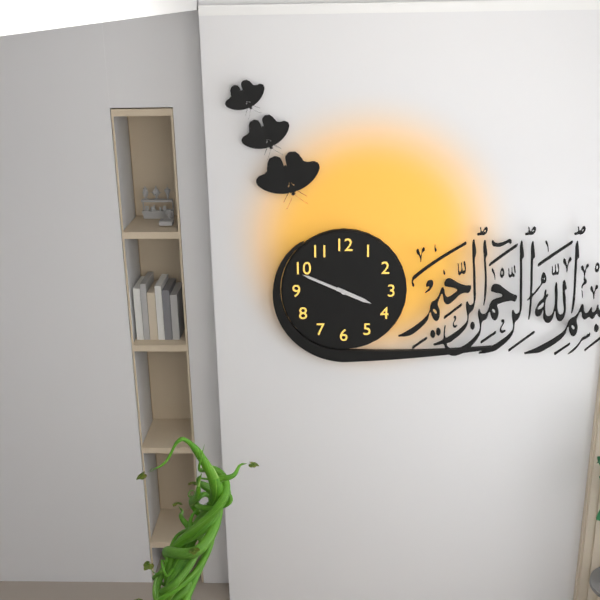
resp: 3h49
